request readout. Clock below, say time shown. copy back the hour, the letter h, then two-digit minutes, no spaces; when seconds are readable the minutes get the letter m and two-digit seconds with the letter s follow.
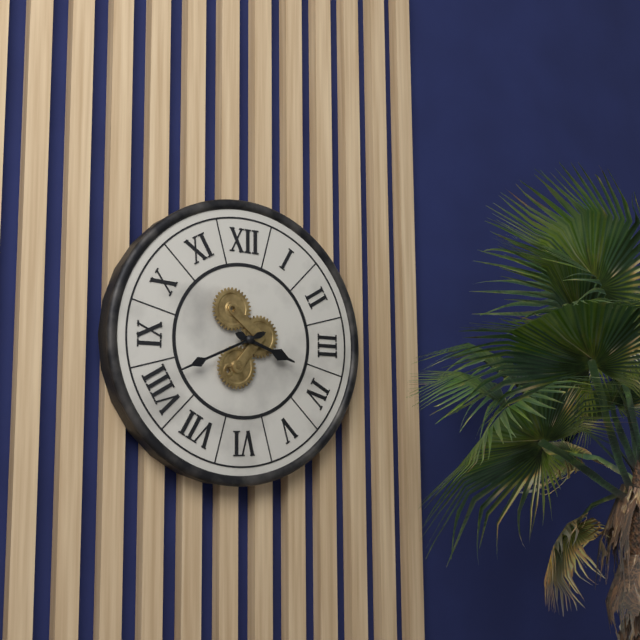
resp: 3h41
